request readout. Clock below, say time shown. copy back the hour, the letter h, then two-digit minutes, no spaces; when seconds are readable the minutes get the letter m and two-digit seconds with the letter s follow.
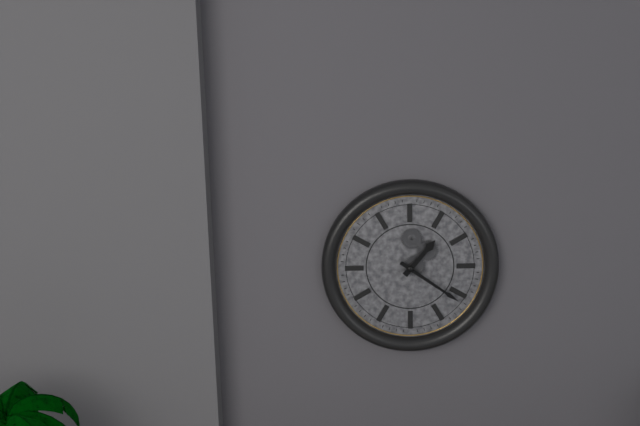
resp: 1h21
